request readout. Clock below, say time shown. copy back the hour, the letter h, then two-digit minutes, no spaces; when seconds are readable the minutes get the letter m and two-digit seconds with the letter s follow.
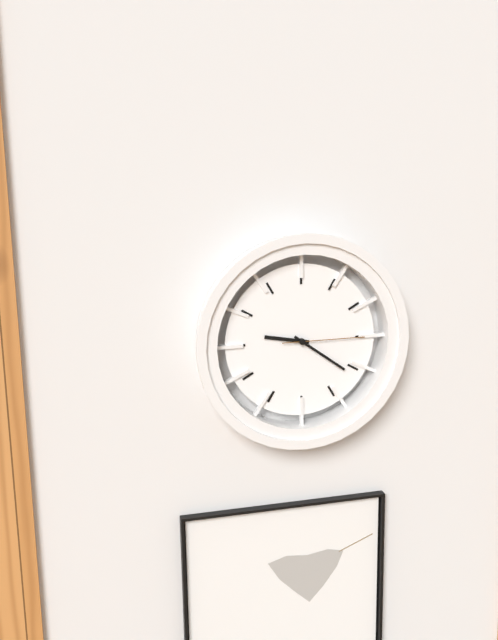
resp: 9h21m15s
